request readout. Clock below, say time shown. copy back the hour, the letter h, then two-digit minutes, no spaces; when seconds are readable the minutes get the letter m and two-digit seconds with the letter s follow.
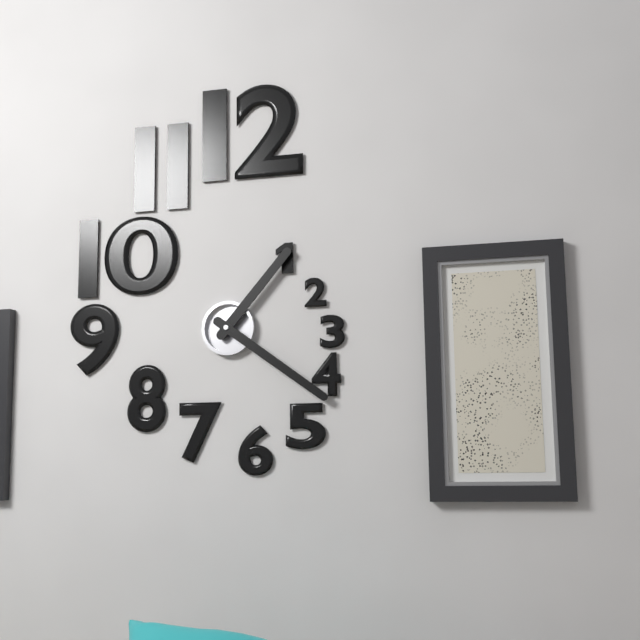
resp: 1h21
